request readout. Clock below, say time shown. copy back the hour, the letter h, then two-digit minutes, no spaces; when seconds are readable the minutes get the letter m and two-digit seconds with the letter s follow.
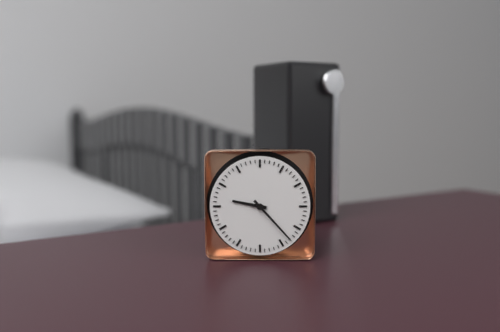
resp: 9h23
